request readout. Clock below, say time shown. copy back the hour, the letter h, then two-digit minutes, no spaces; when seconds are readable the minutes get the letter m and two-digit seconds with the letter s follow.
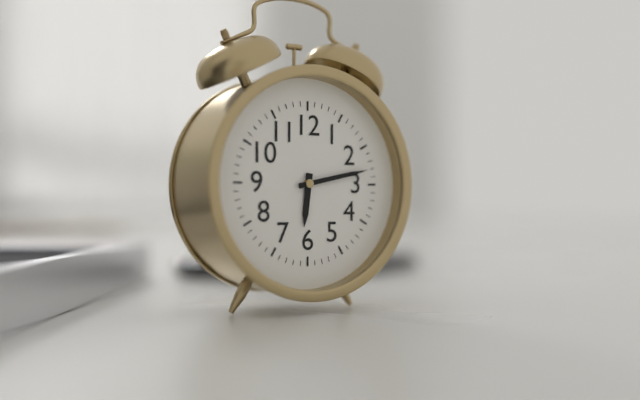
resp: 6h13
